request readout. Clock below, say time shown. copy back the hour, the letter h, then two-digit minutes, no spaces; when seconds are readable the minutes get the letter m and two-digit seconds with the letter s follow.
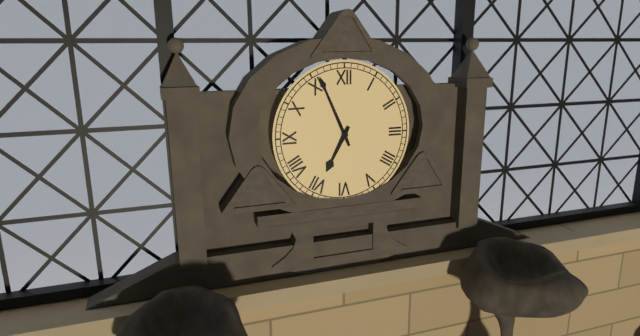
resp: 6h56
